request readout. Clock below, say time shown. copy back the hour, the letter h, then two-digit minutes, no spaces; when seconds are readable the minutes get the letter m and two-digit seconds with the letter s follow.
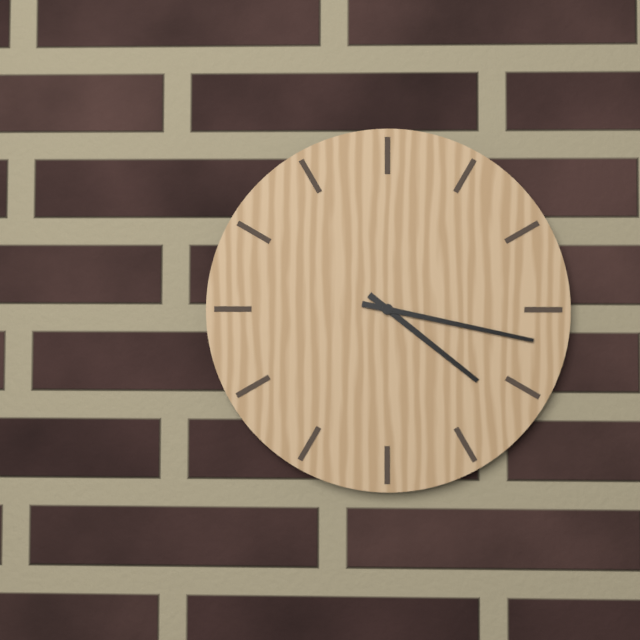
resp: 4h17
